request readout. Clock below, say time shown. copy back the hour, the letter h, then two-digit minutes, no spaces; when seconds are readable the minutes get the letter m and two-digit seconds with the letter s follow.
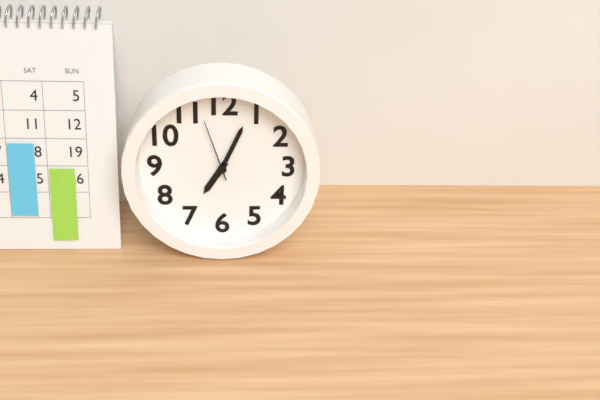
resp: 7h04m57s
